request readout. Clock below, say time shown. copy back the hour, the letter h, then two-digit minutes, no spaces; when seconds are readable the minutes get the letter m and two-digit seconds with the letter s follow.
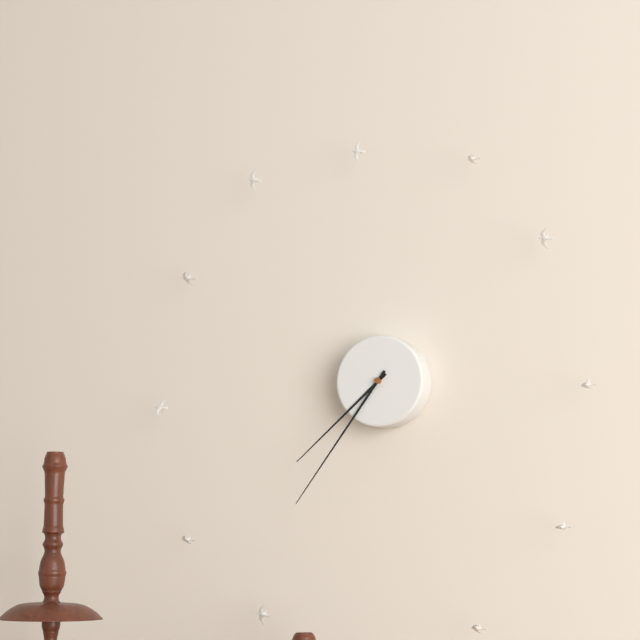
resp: 7h36
